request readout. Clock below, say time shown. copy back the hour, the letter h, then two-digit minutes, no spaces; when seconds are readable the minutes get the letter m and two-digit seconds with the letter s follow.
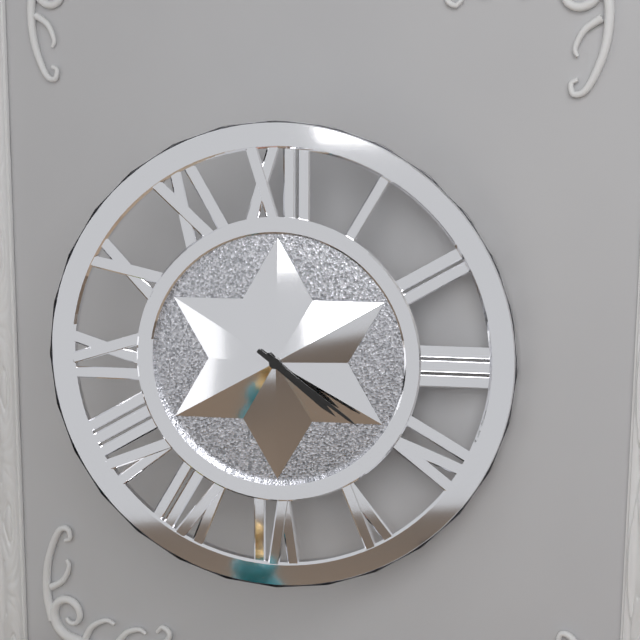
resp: 4h21
